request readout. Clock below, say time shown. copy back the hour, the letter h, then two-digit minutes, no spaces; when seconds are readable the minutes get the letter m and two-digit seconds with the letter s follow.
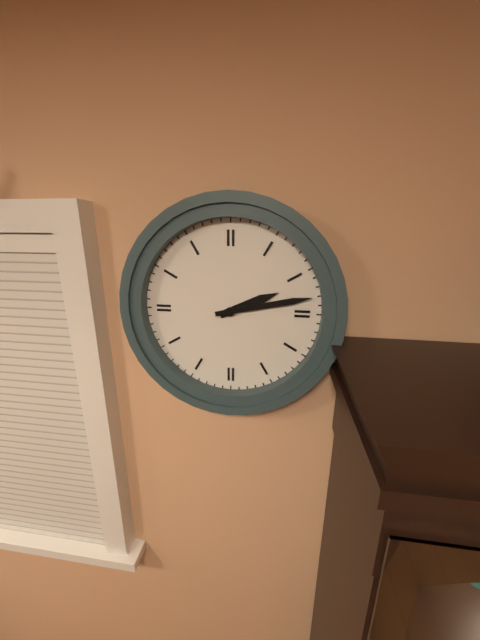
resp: 2h13
